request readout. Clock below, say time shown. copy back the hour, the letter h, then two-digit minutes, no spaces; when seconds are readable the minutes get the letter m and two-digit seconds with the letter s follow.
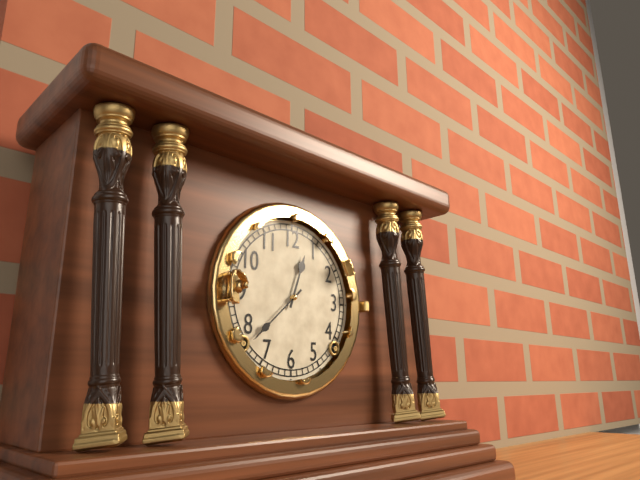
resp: 12h38
